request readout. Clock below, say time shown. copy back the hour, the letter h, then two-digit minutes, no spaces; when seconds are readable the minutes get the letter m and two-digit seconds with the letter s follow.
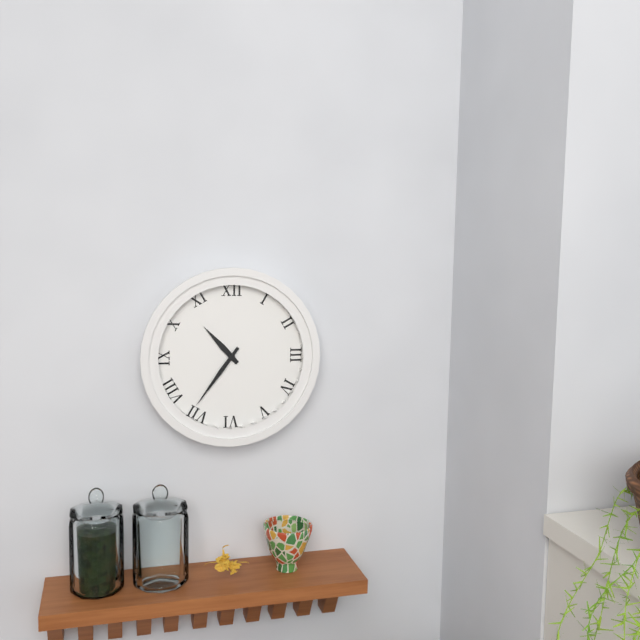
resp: 10h36
